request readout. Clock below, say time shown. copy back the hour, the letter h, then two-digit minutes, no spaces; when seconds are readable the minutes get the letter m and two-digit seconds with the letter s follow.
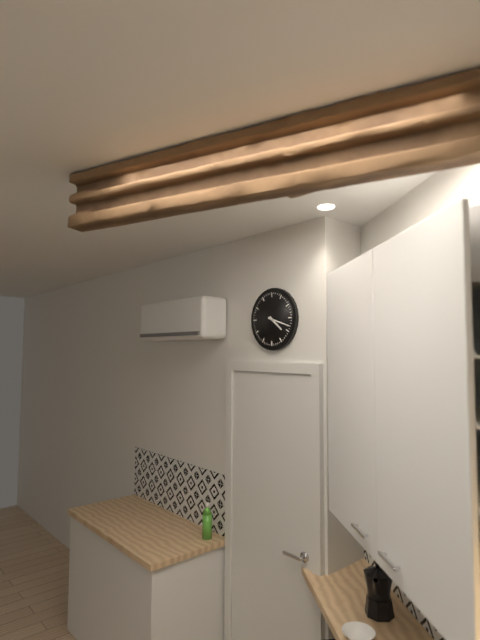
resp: 4h18
